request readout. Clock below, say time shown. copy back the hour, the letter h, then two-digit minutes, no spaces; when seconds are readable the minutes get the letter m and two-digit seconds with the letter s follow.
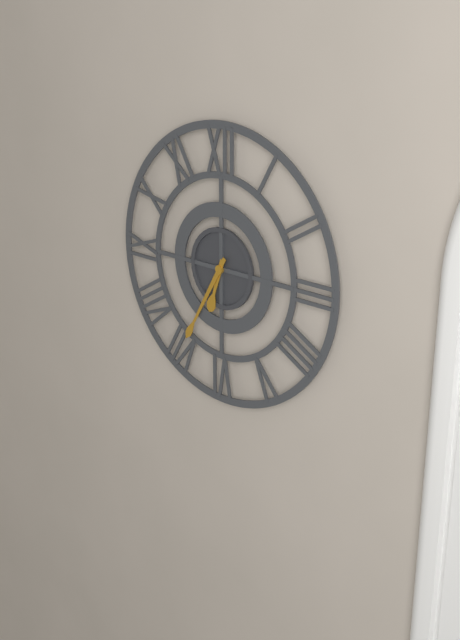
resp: 6h35
